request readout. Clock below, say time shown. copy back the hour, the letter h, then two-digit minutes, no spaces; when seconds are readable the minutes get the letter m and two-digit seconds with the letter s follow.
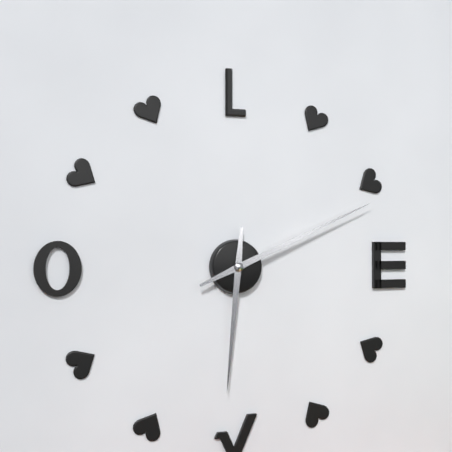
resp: 6h11
